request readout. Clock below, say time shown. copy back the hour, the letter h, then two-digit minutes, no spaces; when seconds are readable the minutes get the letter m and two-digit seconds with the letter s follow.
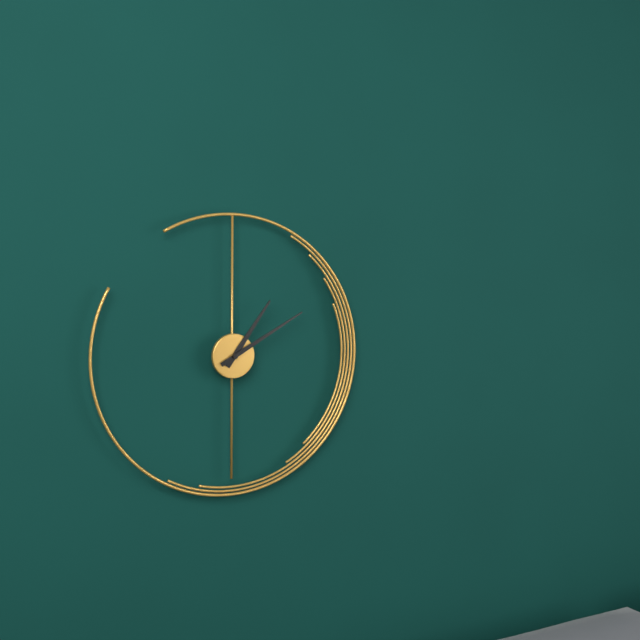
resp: 1h10
